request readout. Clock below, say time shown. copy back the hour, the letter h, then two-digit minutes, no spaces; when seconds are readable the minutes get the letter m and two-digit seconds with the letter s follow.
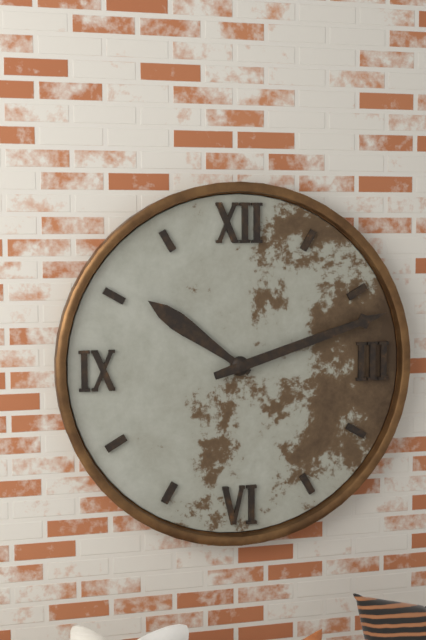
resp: 10h12
